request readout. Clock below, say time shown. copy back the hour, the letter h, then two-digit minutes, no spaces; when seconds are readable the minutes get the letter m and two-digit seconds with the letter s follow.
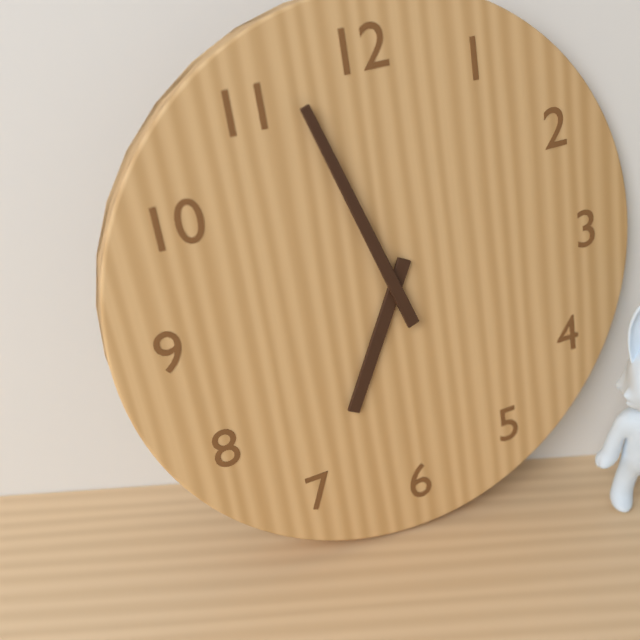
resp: 6h57
